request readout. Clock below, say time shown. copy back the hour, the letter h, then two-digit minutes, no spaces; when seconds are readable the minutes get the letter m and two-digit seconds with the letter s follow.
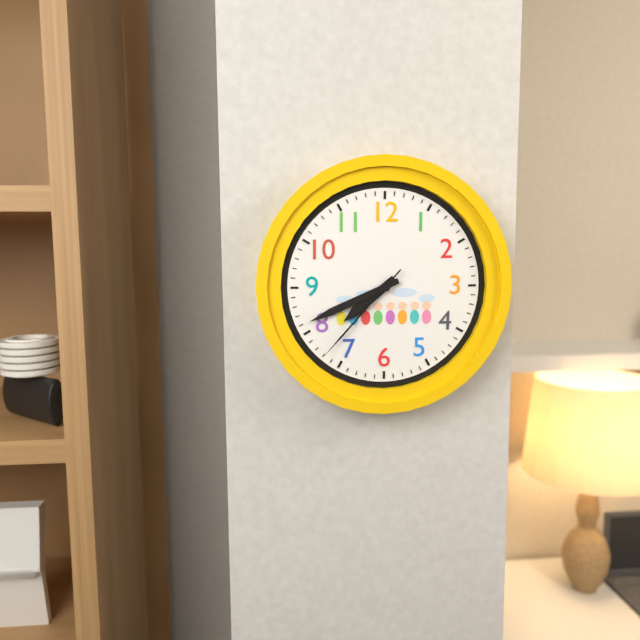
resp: 7h41m37s
